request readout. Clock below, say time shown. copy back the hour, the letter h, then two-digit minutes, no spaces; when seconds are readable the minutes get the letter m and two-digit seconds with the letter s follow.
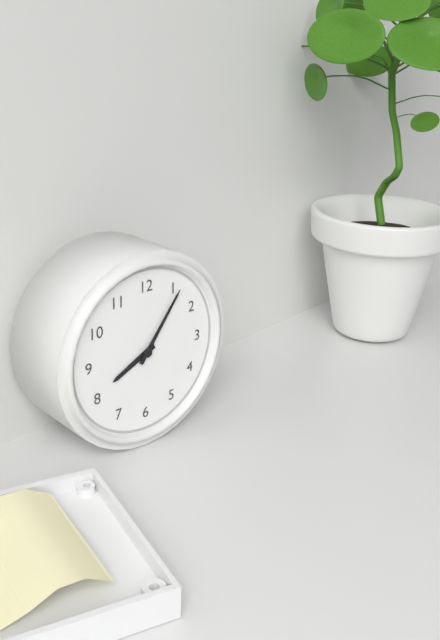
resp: 8h06
